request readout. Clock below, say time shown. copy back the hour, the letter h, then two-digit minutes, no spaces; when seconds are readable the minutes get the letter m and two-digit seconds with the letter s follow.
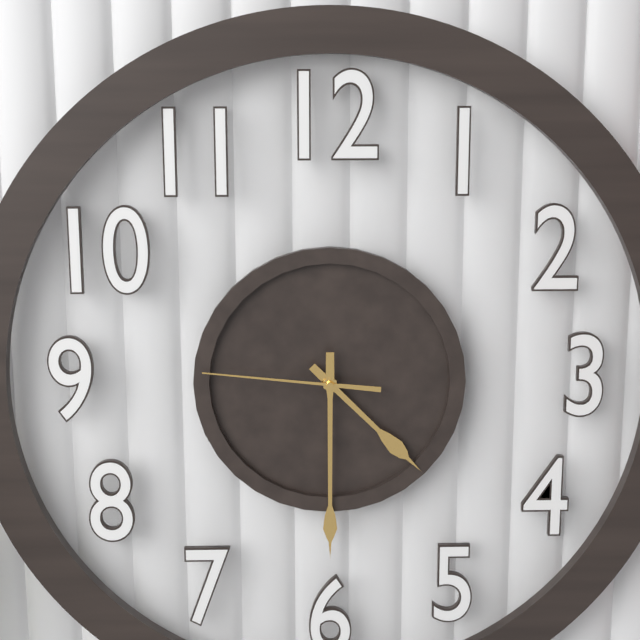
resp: 4h30m46s
